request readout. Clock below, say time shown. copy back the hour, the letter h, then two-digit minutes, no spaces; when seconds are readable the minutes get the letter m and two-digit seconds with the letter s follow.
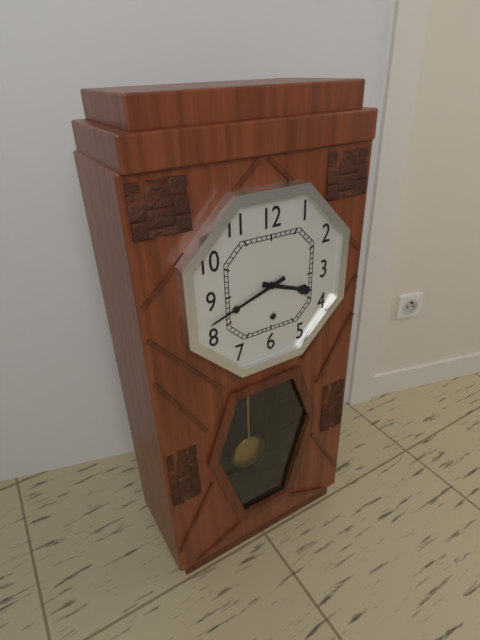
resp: 3h42
